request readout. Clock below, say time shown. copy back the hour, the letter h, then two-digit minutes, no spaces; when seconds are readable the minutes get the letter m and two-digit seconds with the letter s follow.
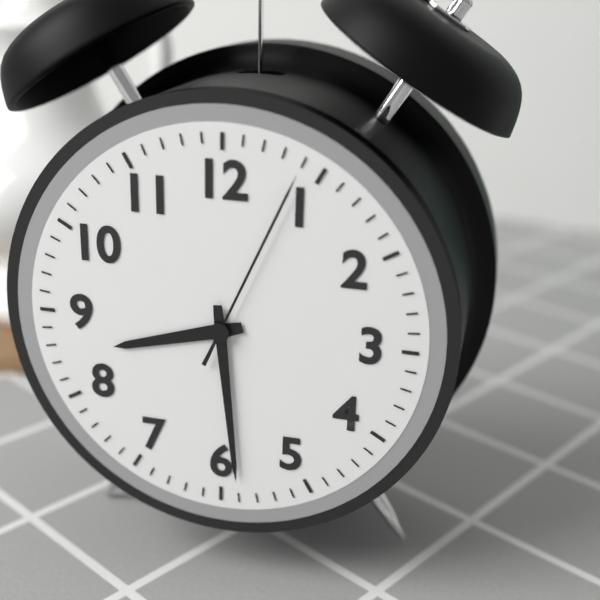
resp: 8h29m04s
